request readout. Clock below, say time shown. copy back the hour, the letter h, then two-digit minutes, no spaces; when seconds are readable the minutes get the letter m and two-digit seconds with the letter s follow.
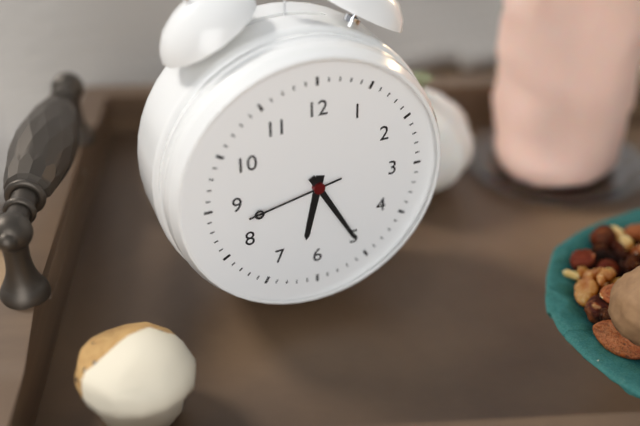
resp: 6h25m43s
